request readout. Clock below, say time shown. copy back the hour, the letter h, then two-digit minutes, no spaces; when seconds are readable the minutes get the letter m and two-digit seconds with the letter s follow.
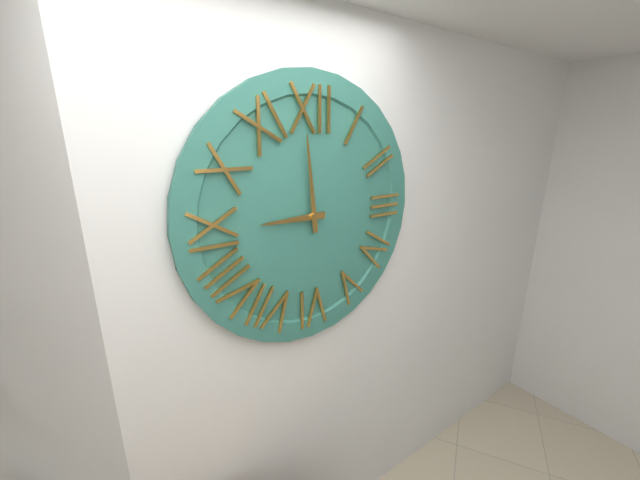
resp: 8h59
